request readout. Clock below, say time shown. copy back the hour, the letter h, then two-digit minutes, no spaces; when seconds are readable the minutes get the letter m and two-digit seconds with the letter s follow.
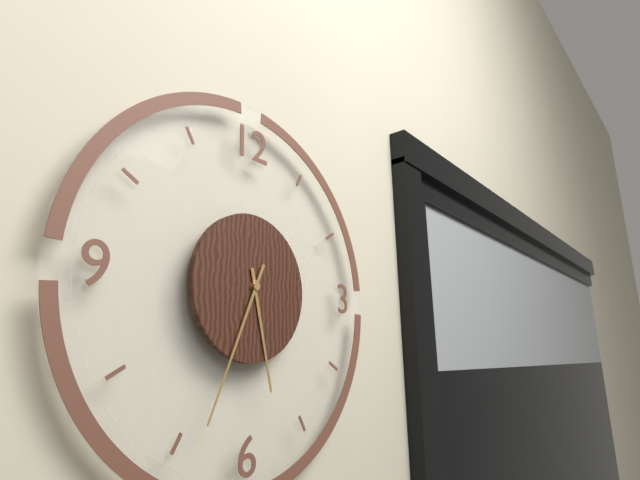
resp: 5h34
